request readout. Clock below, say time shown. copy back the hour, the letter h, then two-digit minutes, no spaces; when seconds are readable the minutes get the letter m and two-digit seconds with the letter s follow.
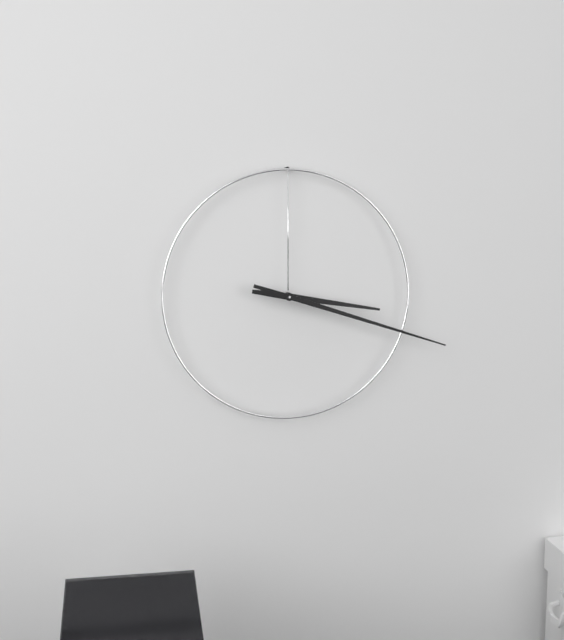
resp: 3h18
